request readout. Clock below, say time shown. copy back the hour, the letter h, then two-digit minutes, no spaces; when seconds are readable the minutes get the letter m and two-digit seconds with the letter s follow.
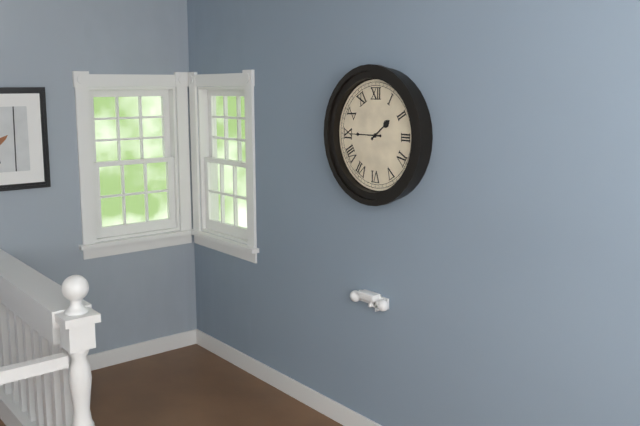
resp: 1h45
